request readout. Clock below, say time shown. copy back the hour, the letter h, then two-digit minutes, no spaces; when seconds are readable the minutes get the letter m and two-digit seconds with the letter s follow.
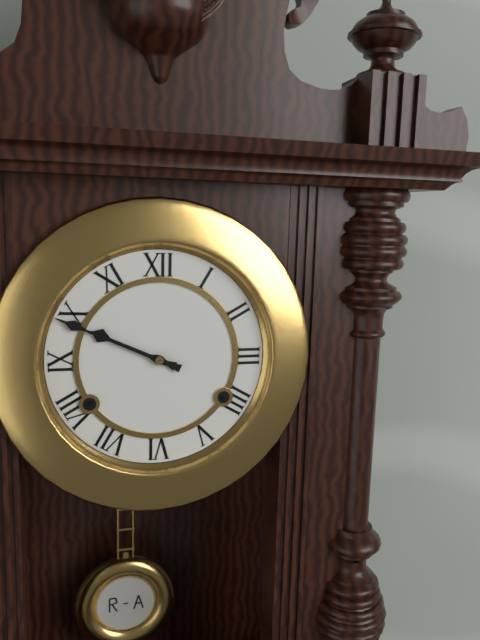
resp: 9h49
